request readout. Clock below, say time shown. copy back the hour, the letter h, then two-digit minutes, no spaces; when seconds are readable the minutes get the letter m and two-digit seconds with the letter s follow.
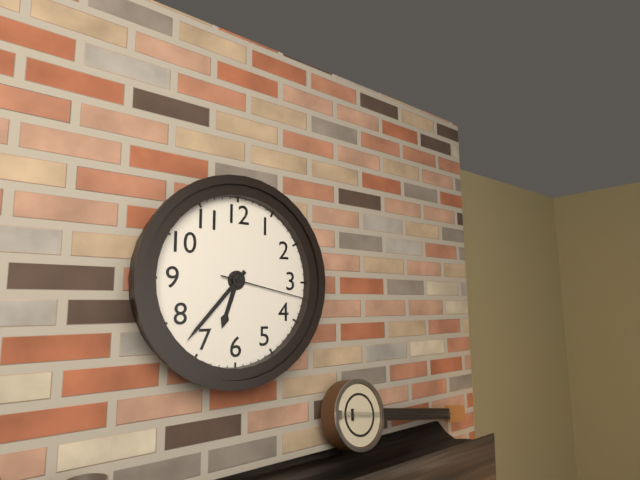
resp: 6h37m17s
